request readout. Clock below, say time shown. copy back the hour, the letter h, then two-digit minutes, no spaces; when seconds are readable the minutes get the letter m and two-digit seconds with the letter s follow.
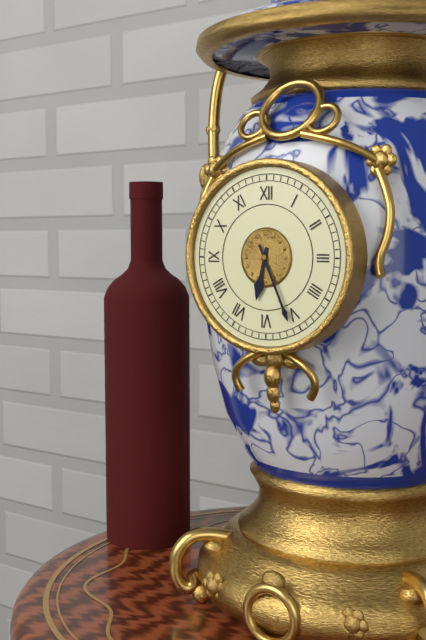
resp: 6h26
